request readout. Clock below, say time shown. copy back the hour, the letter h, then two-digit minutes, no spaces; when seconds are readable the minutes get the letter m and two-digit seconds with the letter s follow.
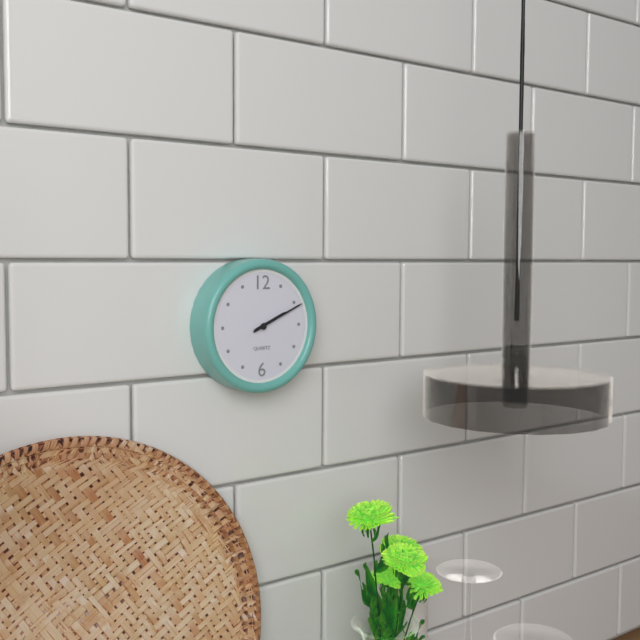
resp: 2h11
